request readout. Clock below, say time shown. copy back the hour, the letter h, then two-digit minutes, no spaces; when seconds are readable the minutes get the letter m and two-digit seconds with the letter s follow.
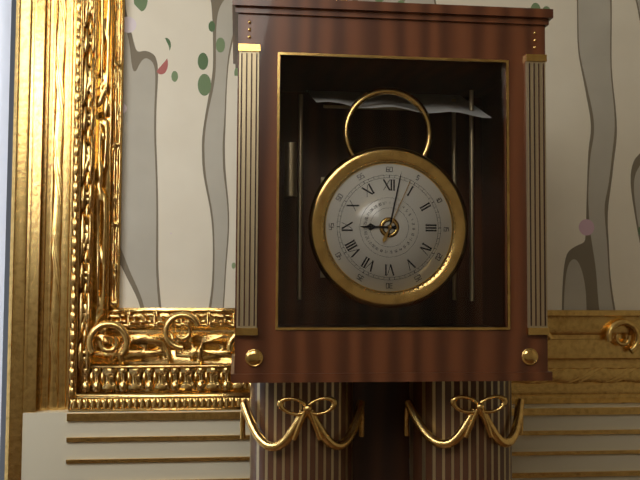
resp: 9h02m04s
